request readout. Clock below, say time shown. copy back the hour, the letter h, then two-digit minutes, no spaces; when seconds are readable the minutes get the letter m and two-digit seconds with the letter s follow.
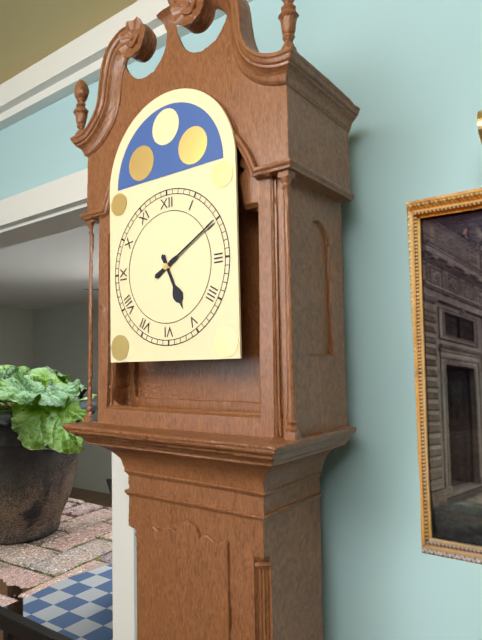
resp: 5h10
